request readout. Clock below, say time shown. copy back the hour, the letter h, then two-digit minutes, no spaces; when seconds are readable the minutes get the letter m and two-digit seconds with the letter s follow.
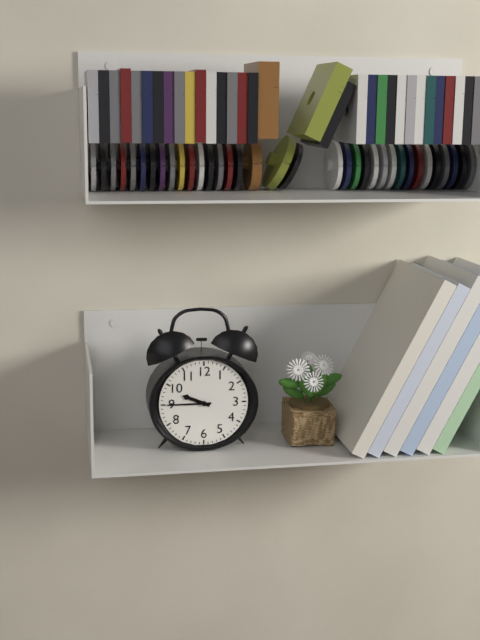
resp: 9h45
